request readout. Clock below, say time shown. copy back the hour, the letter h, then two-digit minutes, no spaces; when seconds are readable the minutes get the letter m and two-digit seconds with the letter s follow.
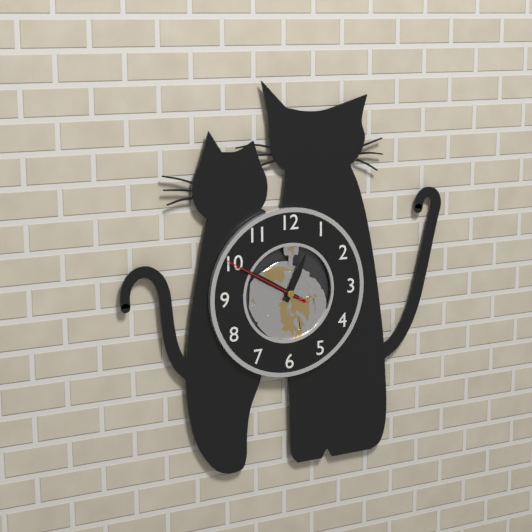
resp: 12h50m50s
